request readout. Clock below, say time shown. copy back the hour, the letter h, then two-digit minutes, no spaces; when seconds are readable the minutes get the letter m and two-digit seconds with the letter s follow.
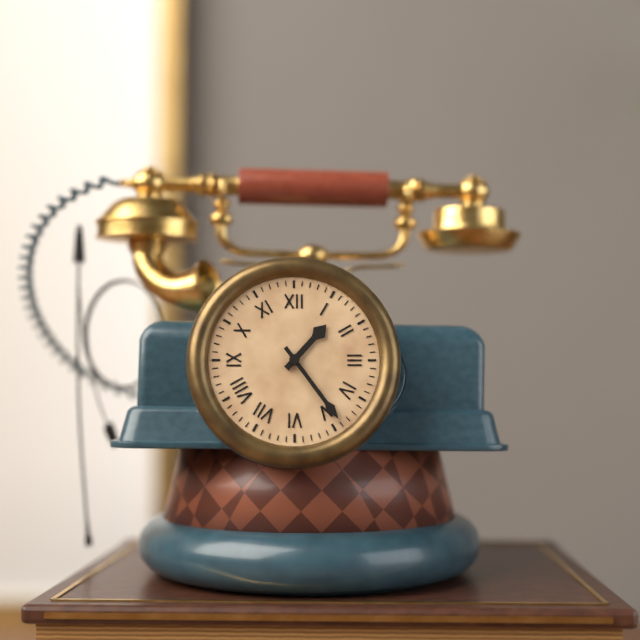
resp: 1h24
